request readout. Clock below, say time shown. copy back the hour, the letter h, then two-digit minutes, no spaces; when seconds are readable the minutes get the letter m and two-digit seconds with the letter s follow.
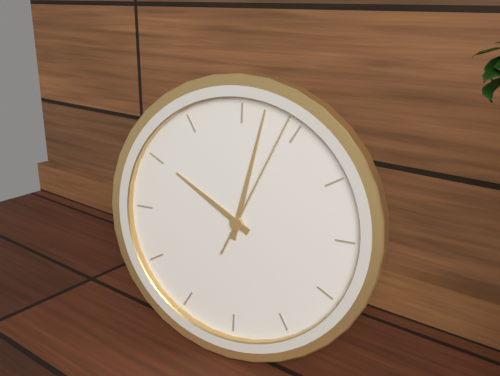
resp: 10h02m04s
